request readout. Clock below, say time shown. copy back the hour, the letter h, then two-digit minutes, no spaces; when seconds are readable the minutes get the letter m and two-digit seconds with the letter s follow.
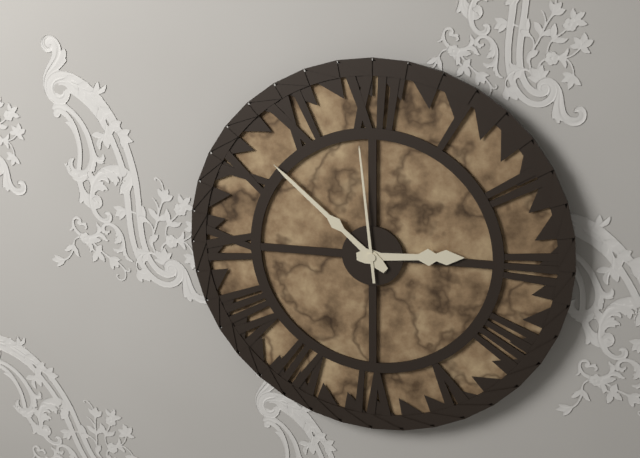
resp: 2h52m59s
